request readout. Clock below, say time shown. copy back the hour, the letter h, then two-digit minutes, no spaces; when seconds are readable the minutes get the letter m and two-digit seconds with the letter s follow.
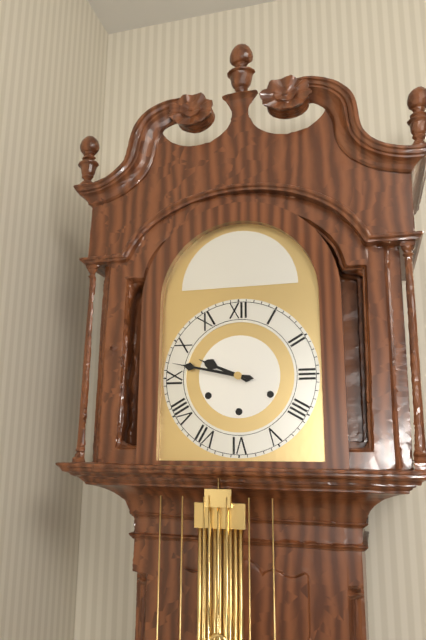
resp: 9h47
